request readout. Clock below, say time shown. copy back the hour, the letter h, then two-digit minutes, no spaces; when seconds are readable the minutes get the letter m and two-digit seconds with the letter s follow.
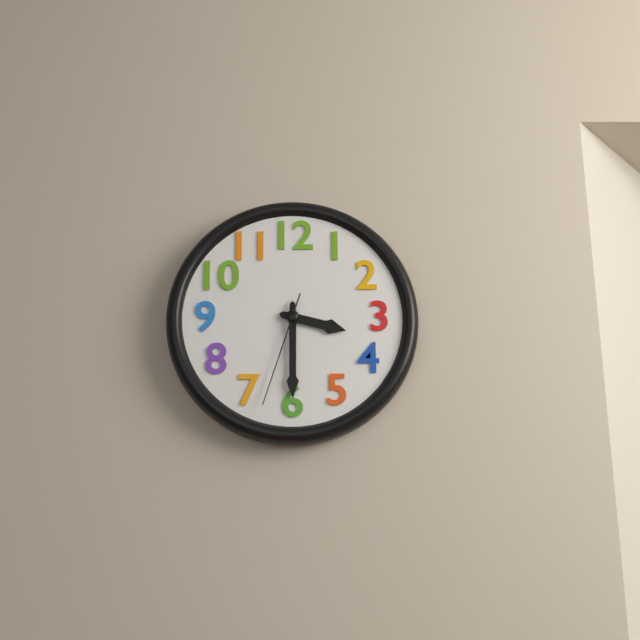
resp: 3h30m33s
